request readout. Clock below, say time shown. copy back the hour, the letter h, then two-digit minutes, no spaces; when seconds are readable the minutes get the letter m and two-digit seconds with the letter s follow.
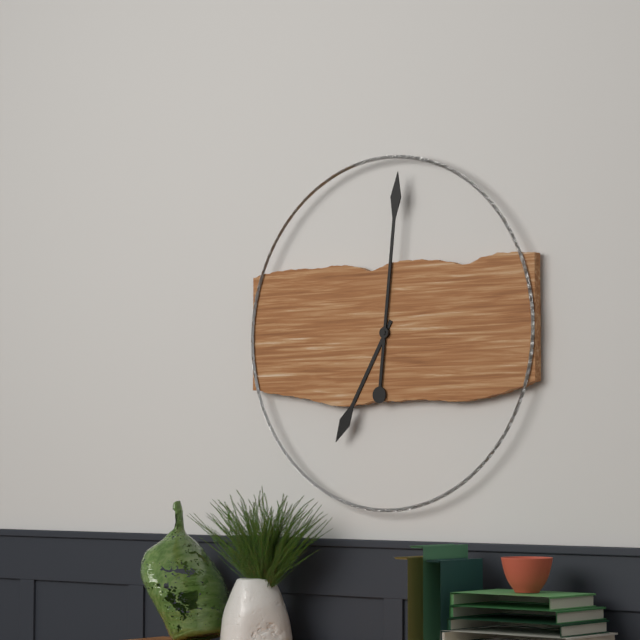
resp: 7h01
